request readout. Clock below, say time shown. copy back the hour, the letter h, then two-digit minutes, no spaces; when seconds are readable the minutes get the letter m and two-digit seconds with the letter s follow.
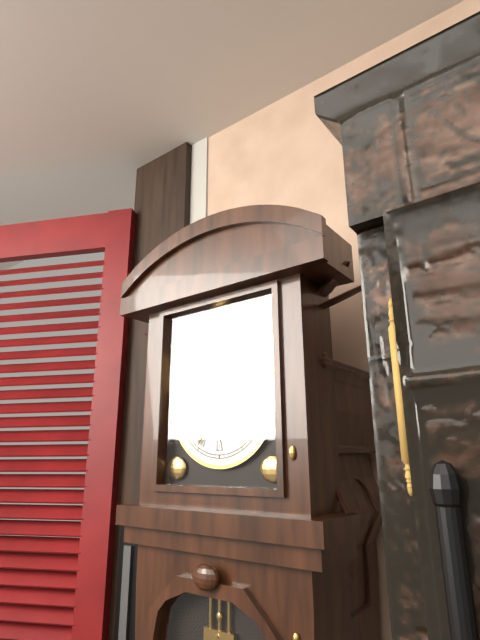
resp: 1h35
